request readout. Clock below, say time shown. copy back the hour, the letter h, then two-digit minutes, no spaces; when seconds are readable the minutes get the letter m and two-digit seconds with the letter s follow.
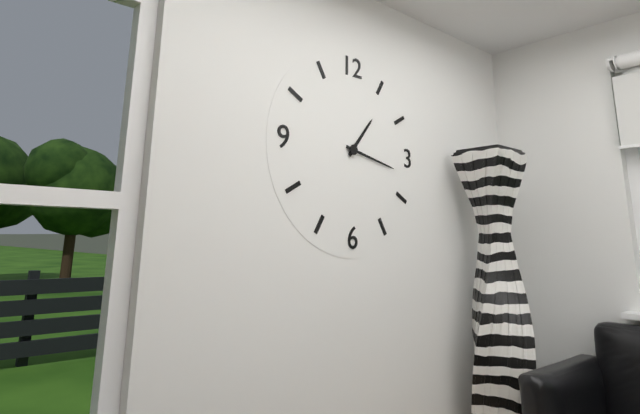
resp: 1h17
